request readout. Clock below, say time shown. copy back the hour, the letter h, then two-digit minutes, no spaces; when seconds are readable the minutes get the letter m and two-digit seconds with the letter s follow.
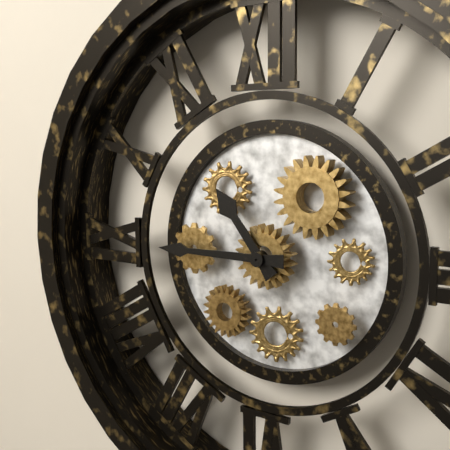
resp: 10h45
